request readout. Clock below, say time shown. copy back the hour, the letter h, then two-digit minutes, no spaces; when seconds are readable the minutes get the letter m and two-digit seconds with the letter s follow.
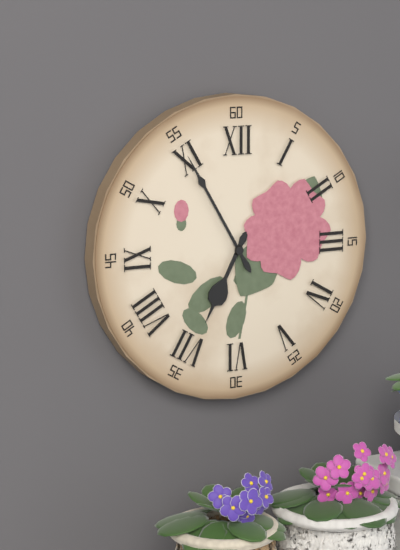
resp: 6h55
